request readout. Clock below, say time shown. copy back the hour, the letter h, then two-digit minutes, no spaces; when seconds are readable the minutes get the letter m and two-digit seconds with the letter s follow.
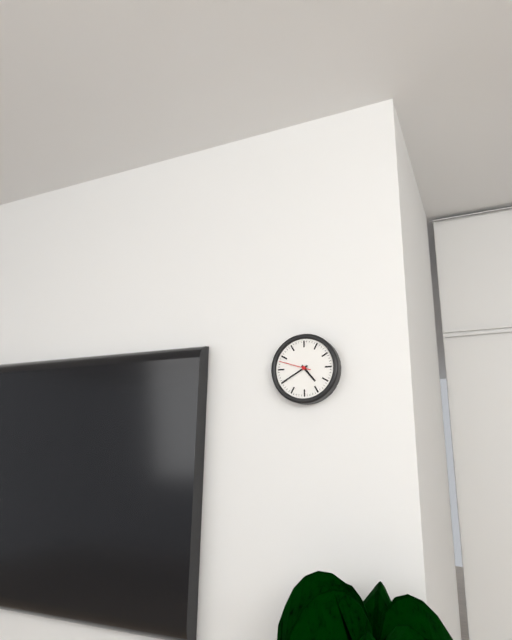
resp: 4h40
